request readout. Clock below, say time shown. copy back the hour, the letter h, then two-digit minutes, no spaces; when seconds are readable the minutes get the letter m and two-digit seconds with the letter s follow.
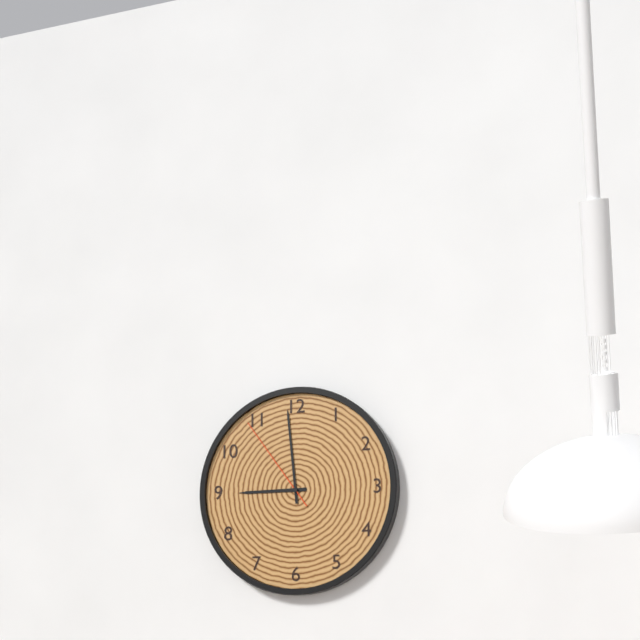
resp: 8h59m54s
